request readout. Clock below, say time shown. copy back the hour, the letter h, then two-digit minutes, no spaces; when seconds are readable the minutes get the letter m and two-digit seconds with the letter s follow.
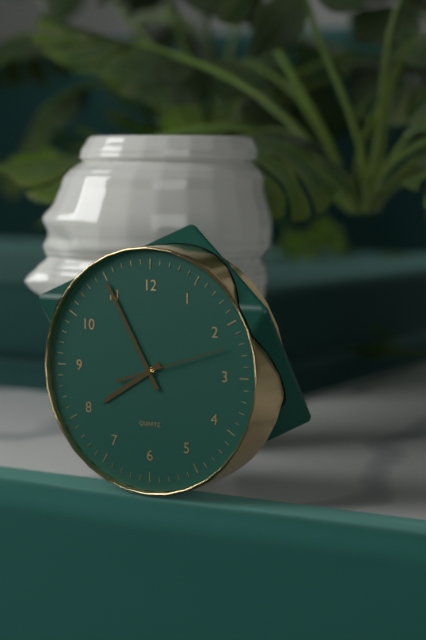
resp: 7h55m12s
